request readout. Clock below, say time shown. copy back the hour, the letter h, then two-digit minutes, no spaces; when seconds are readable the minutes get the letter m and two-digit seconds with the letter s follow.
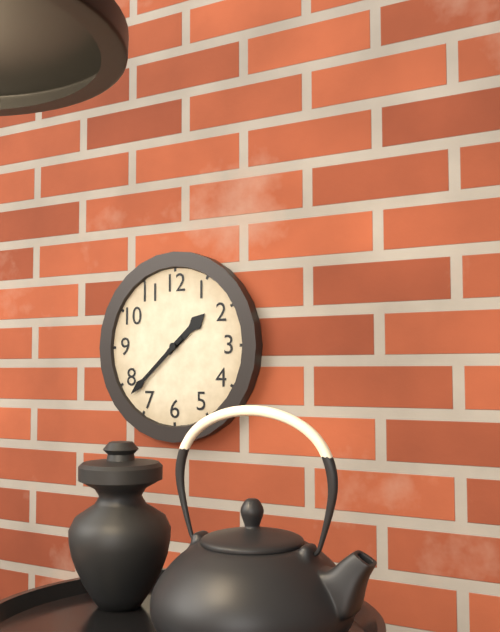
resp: 1h38
